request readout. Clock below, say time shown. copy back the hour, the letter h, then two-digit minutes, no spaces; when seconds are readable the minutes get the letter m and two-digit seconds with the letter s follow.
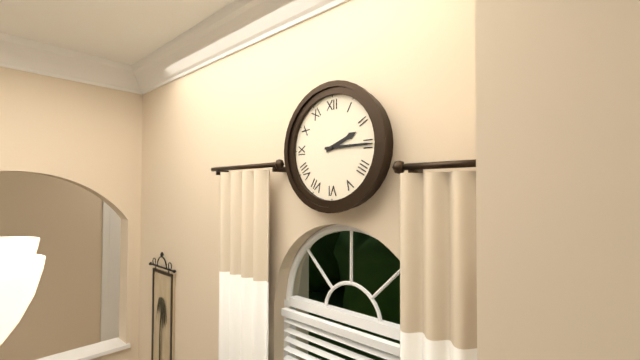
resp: 2h15
